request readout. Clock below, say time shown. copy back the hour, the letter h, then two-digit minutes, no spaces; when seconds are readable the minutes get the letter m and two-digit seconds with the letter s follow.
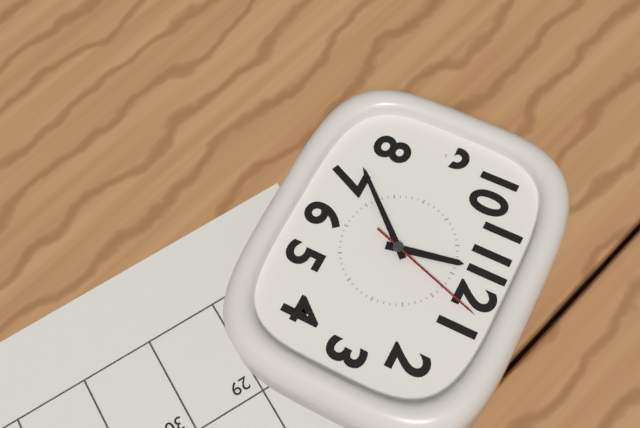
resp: 11h37m03s
